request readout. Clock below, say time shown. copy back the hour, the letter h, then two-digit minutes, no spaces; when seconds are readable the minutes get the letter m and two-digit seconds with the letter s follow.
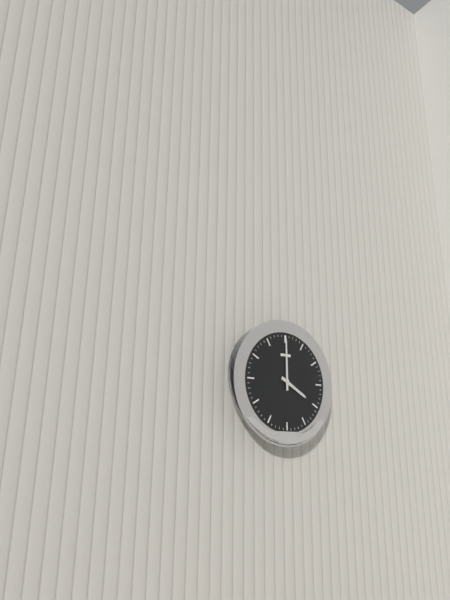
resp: 4h00
